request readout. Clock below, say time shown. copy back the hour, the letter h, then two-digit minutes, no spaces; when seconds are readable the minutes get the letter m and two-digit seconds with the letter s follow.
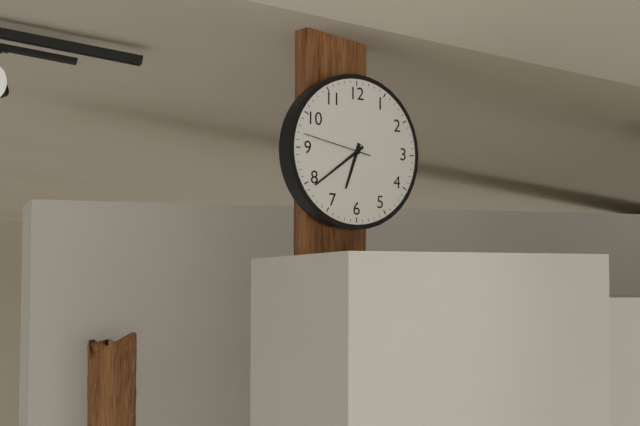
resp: 6h39m47s
